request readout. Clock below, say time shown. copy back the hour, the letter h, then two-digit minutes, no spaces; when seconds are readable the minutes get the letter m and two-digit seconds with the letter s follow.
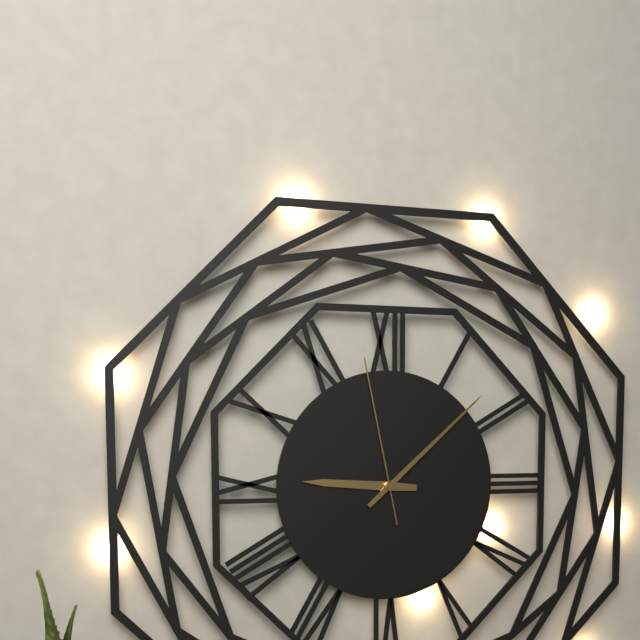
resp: 9h08m58s
